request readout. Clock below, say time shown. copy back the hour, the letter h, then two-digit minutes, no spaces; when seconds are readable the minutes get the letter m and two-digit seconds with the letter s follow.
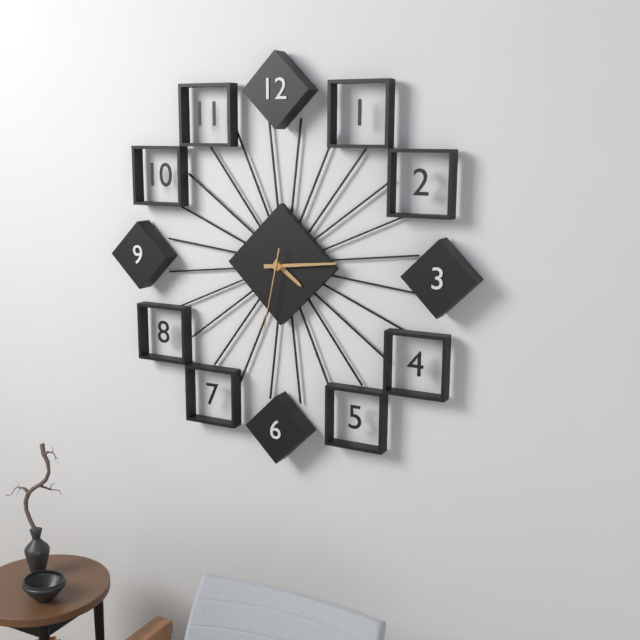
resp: 4h14m32s
